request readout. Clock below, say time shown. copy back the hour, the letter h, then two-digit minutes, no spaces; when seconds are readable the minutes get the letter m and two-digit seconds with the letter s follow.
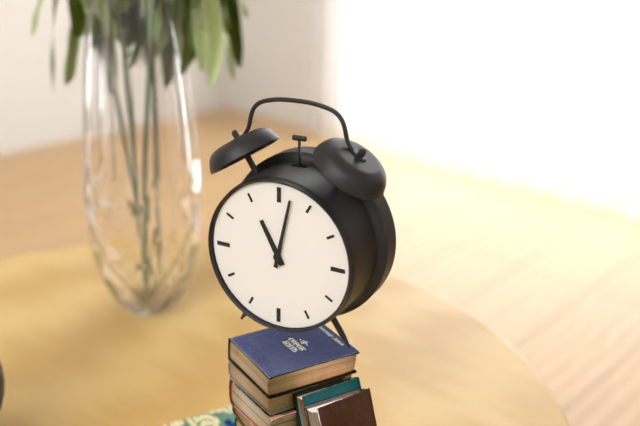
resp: 11h02
